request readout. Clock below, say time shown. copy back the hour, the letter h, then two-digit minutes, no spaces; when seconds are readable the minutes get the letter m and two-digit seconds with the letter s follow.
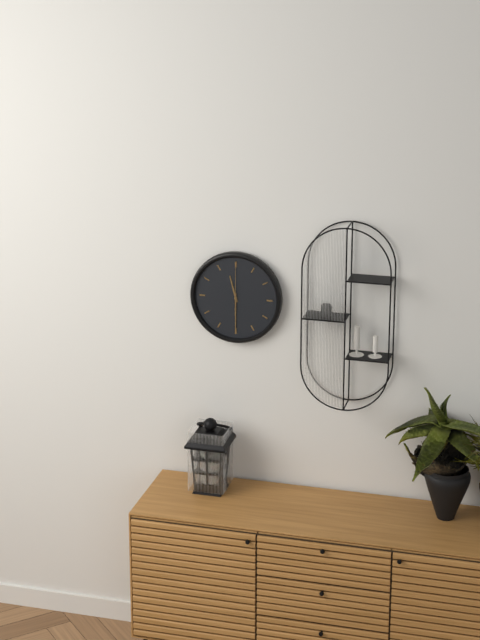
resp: 11h30
